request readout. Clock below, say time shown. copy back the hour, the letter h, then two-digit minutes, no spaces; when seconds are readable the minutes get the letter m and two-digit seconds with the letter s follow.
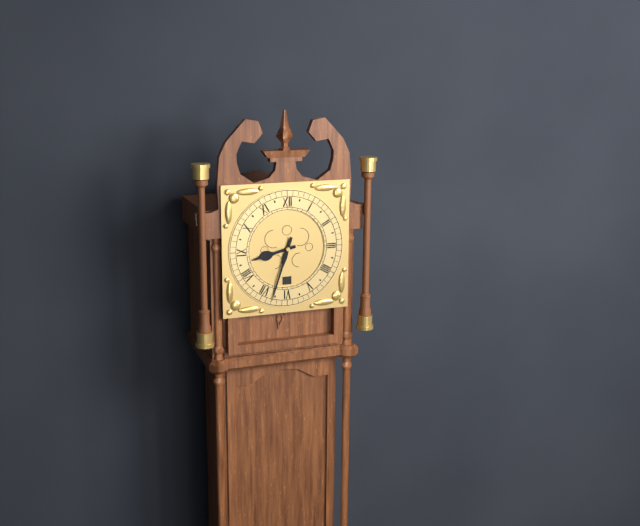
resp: 8h33
